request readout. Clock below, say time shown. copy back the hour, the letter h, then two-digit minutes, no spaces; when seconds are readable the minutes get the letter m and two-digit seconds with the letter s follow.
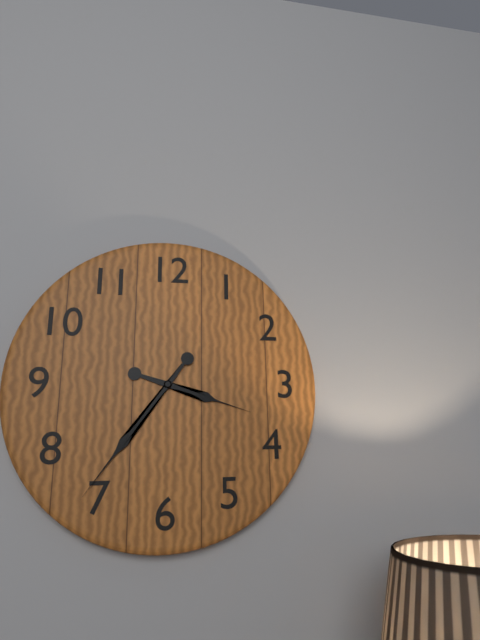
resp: 3h36
